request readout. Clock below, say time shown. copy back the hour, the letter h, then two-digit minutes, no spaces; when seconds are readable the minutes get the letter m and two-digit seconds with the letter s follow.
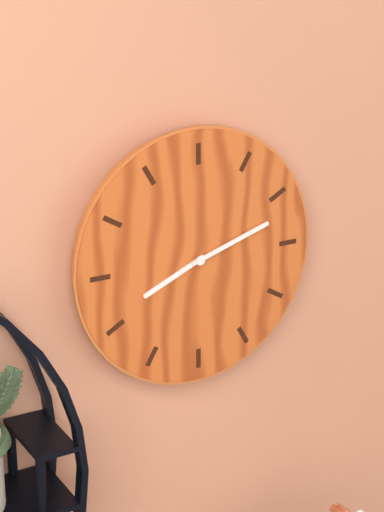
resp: 8h12
